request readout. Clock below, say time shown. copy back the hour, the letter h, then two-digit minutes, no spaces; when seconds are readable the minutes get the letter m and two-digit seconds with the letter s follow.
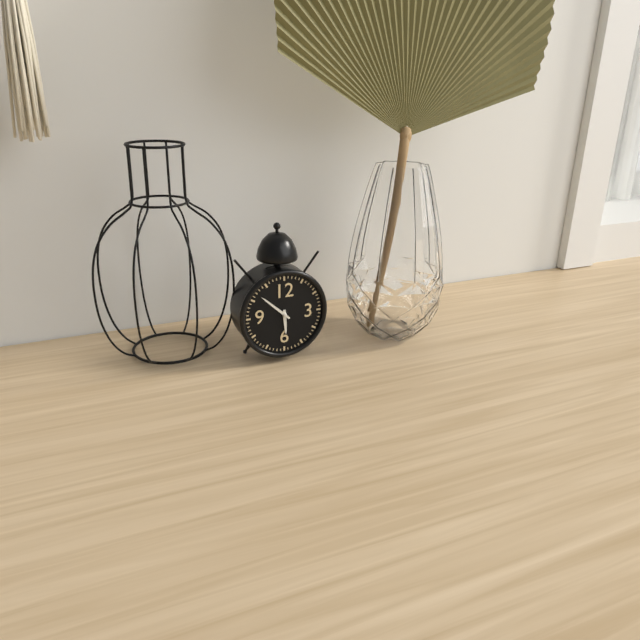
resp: 5h52
